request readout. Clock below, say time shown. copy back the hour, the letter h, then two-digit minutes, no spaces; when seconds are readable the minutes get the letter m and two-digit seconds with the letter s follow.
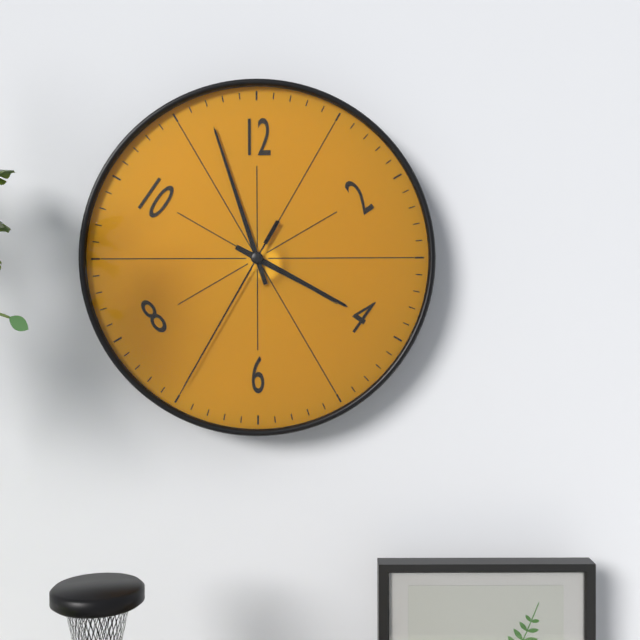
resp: 3h57m35s
